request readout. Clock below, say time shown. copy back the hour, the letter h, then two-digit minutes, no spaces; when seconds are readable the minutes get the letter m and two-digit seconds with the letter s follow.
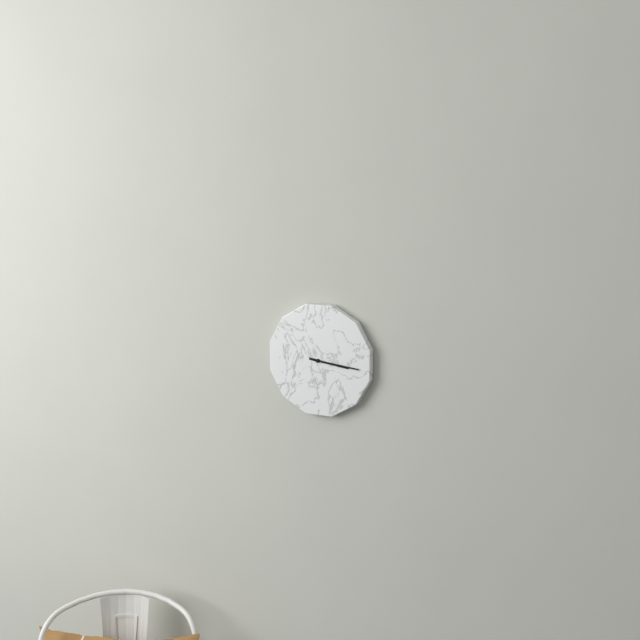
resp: 3h16
